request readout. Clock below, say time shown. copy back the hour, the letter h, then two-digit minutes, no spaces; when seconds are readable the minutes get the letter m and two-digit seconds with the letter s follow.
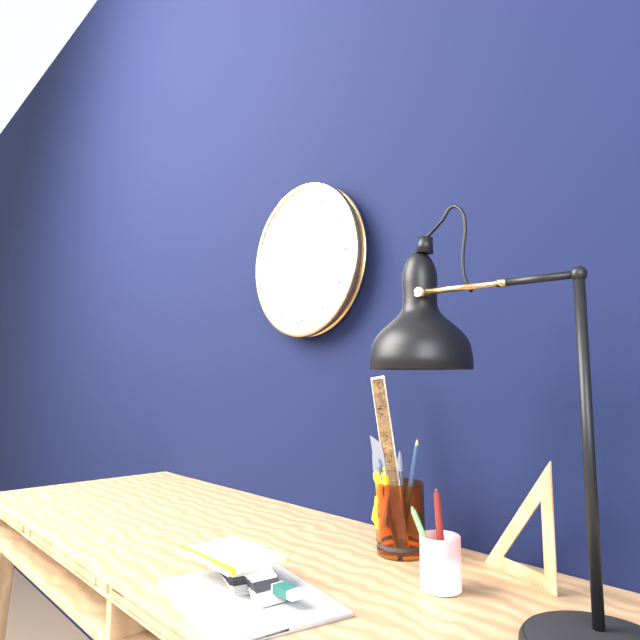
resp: 5h35
